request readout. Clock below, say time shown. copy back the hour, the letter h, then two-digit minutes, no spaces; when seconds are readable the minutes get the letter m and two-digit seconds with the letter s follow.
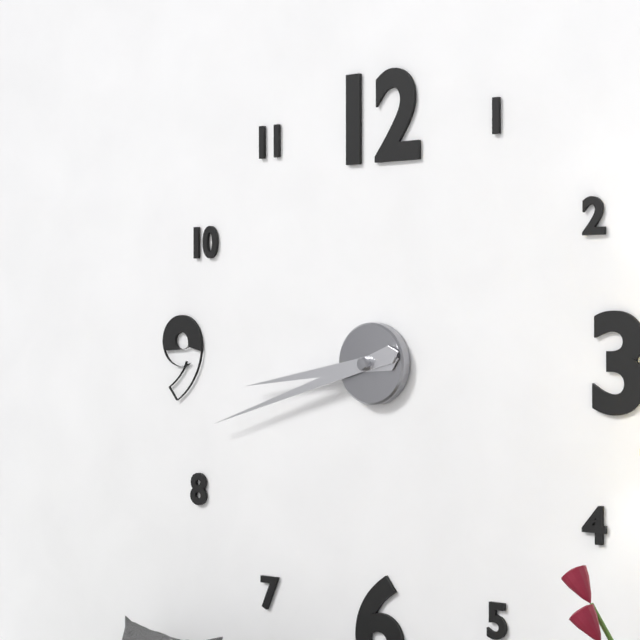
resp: 8h42
